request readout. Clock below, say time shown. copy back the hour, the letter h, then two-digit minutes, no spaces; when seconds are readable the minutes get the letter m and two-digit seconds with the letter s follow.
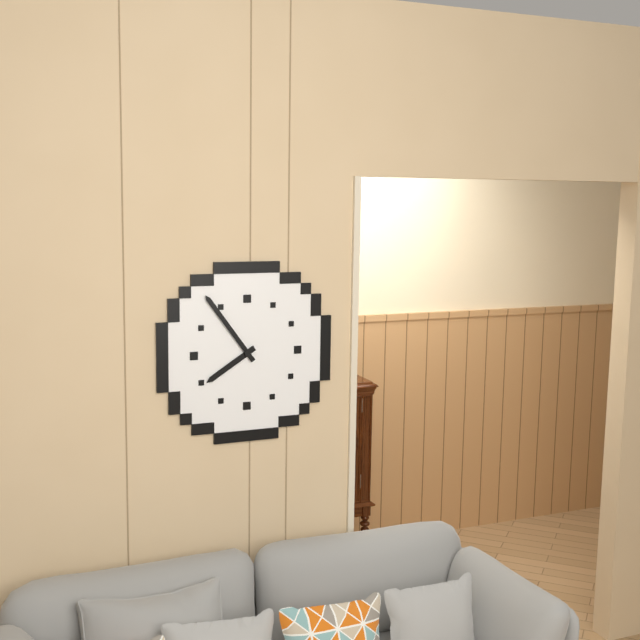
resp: 7h54
